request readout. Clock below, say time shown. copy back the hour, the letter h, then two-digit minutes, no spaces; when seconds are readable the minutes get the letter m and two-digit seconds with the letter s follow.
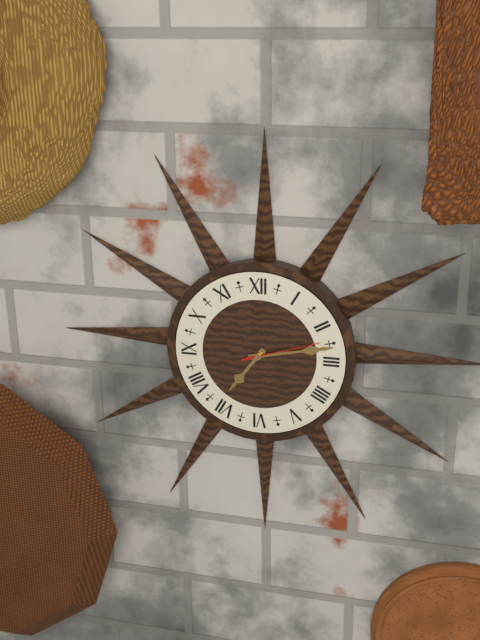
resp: 7h13m12s
